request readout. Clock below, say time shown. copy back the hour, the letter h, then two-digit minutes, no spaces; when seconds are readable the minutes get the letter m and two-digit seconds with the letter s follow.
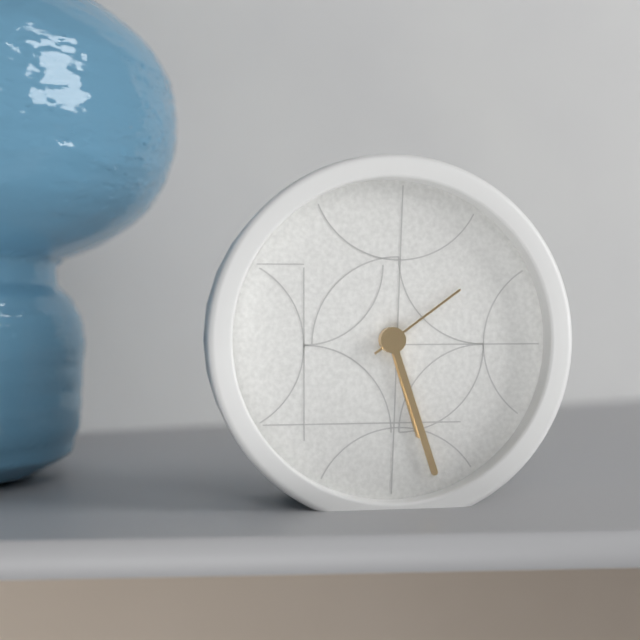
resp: 5h27m09s
